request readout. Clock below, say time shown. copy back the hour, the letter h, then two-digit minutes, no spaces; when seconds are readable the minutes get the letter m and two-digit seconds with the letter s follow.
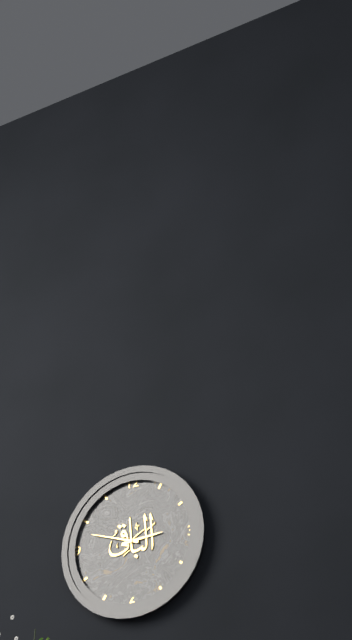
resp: 2h48
